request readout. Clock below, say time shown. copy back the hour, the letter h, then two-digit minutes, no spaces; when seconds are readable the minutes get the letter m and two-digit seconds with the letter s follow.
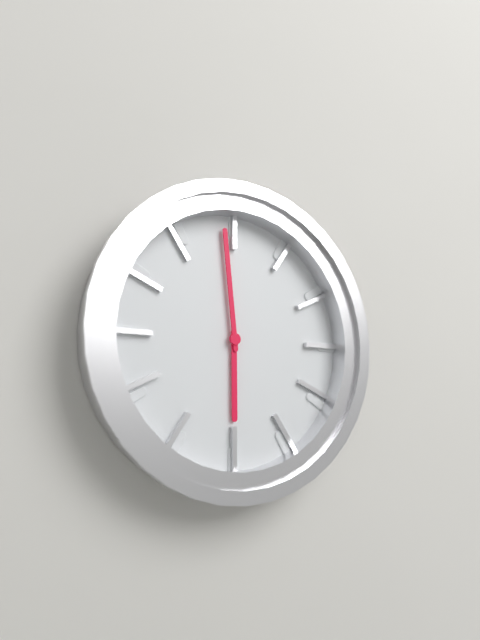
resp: 5h59
